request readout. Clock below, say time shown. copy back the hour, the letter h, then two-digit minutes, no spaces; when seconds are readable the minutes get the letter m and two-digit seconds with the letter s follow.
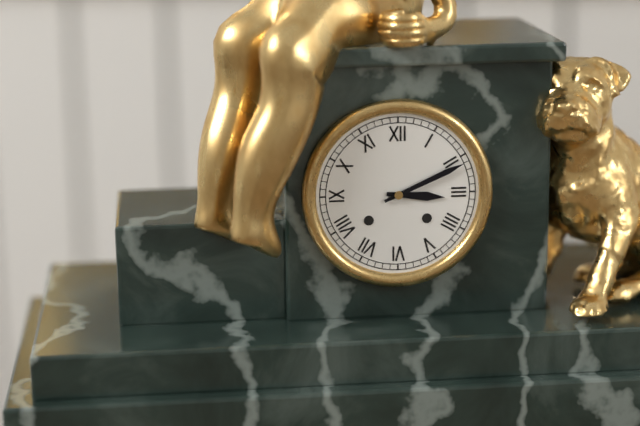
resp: 3h11
